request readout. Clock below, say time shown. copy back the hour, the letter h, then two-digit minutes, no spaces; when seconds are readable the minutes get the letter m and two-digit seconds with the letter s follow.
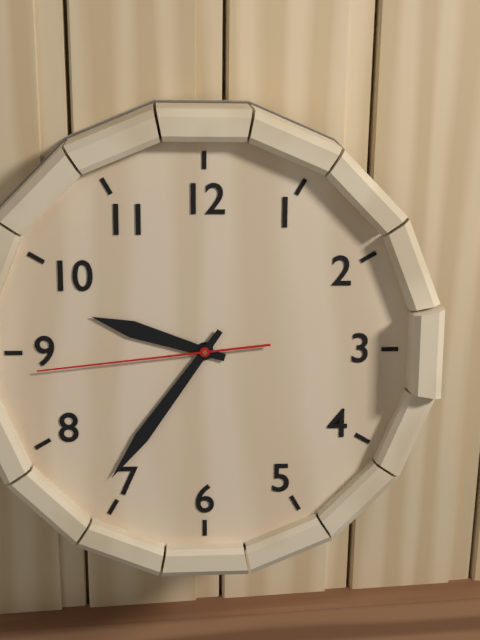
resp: 9h36m44s
